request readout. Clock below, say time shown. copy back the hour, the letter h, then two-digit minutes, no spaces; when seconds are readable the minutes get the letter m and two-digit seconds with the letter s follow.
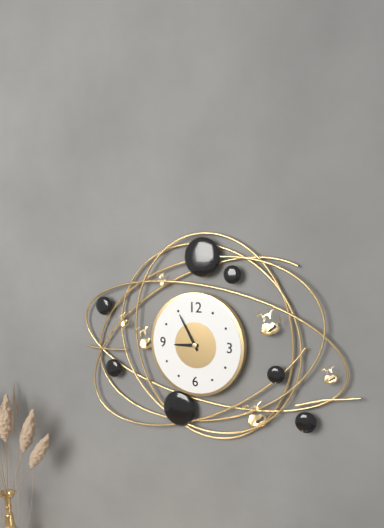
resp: 8h55
